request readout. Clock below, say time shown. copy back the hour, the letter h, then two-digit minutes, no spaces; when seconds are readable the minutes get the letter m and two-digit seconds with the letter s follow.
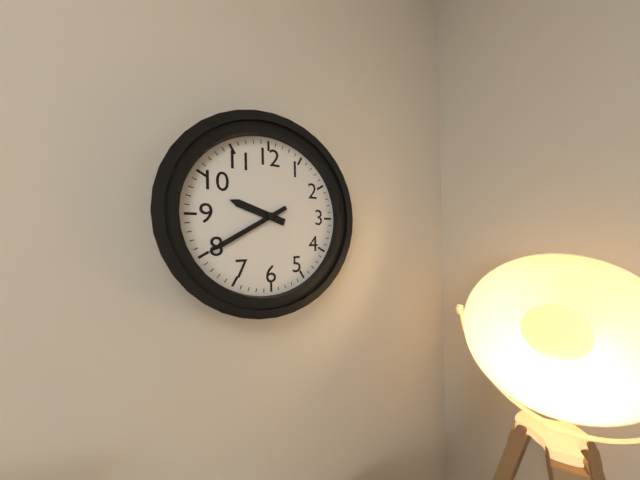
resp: 9h40
